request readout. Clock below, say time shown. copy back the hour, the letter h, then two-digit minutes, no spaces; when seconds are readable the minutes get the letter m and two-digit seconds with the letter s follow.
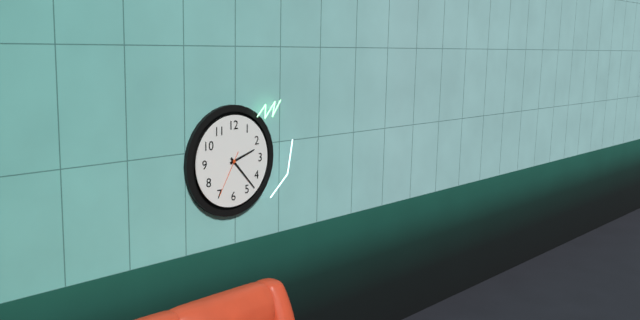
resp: 2h23
